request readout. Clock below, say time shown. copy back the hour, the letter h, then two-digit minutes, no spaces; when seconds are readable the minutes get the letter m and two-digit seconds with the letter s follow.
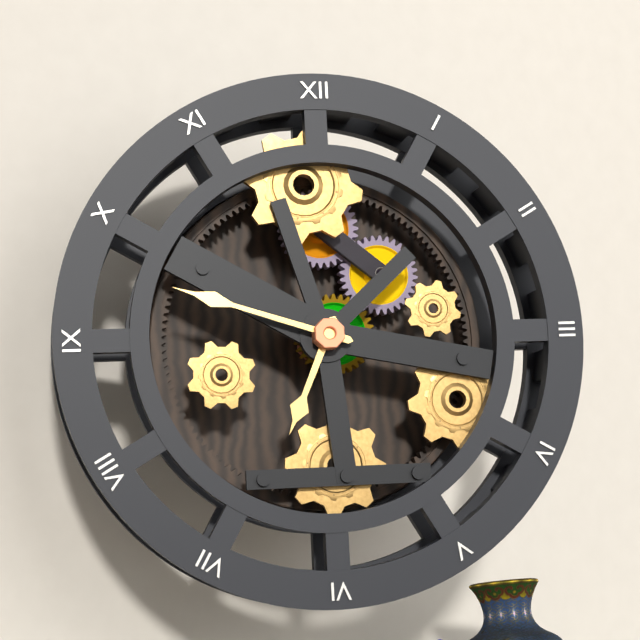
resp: 6h48
